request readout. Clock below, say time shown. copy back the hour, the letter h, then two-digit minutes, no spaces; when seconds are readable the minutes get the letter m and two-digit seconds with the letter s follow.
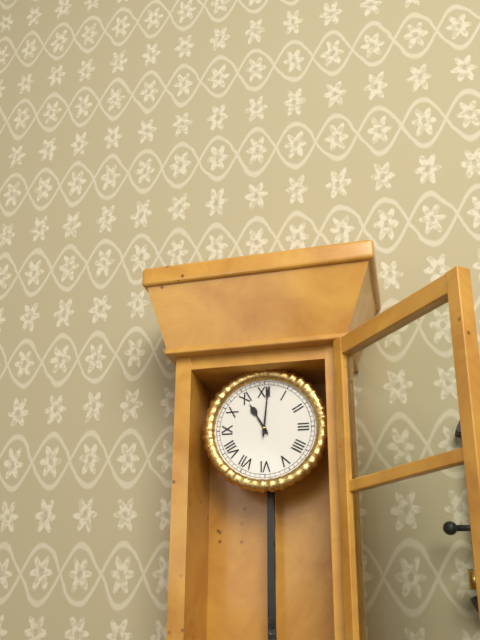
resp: 11h01
